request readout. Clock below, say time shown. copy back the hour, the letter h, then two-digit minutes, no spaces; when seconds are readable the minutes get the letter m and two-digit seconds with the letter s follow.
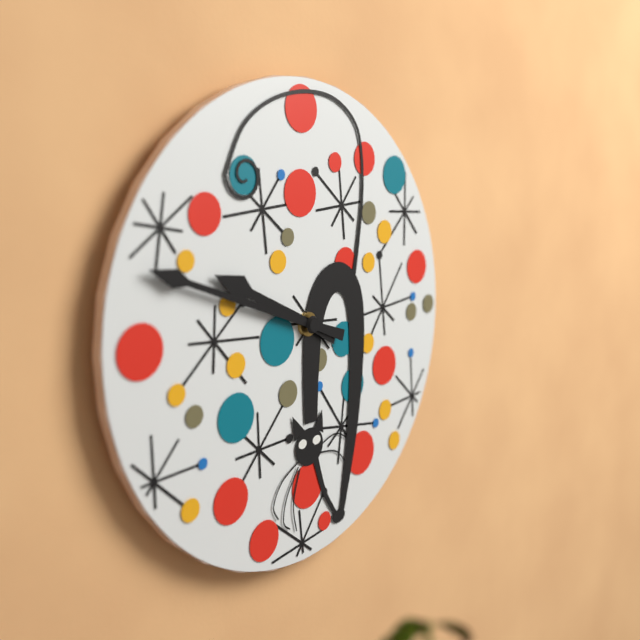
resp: 9h48
